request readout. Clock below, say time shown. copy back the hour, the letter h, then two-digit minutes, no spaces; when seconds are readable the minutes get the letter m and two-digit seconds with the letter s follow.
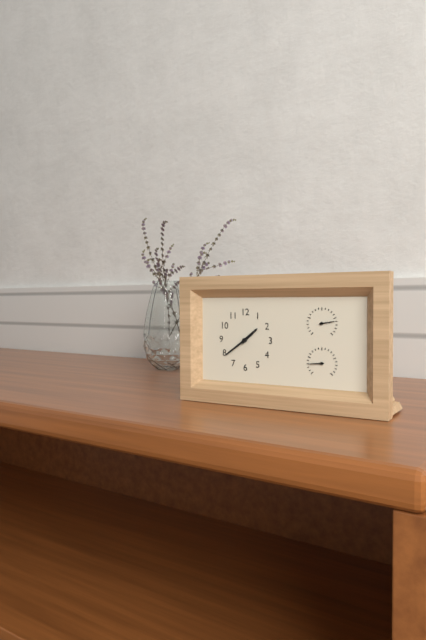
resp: 1h39
